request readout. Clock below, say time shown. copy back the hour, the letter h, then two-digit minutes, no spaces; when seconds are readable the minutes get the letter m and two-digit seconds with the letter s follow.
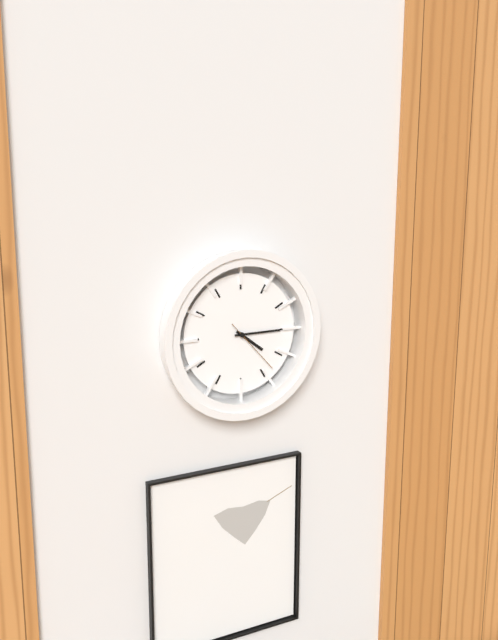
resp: 4h15m23s
